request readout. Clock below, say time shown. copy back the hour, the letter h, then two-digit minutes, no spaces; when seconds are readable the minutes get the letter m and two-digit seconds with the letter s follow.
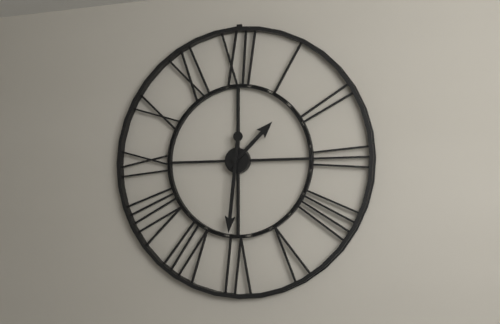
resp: 1h31
